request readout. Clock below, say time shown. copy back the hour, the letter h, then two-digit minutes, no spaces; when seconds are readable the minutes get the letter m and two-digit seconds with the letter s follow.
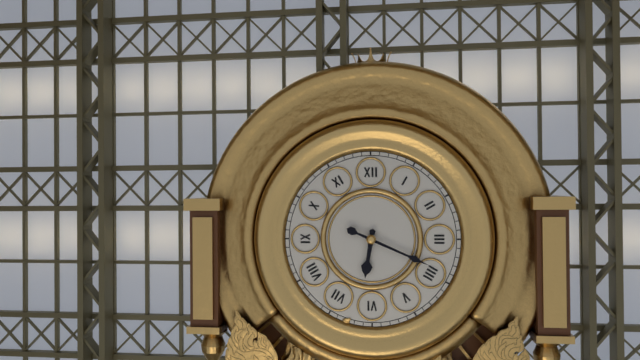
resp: 6h19
